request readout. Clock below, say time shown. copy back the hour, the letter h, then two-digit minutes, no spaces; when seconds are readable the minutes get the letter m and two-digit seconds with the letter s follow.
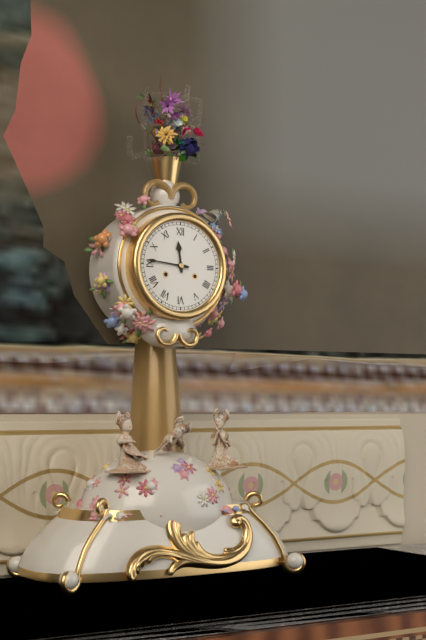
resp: 11h46
